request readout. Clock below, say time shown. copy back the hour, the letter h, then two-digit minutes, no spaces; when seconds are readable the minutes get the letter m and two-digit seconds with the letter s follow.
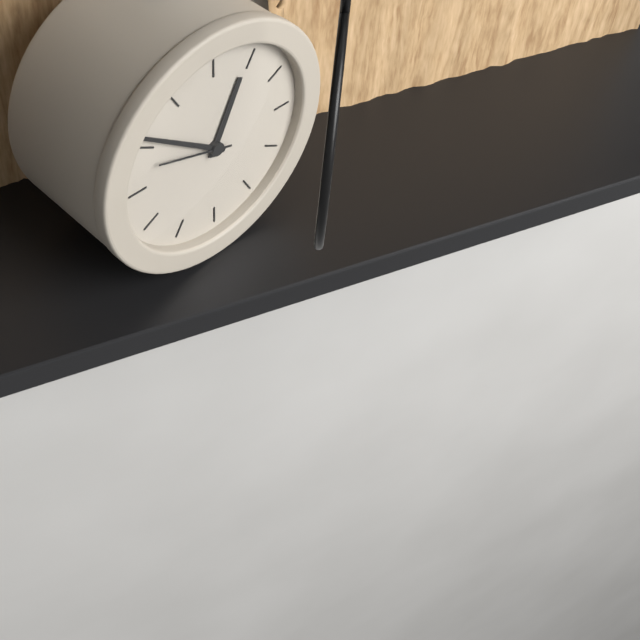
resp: 12h51m48s
